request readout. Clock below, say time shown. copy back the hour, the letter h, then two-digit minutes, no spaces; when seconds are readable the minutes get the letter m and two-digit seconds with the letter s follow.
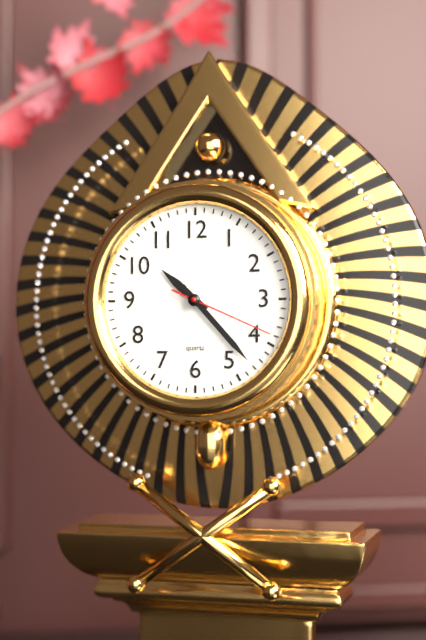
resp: 10h23m19s
